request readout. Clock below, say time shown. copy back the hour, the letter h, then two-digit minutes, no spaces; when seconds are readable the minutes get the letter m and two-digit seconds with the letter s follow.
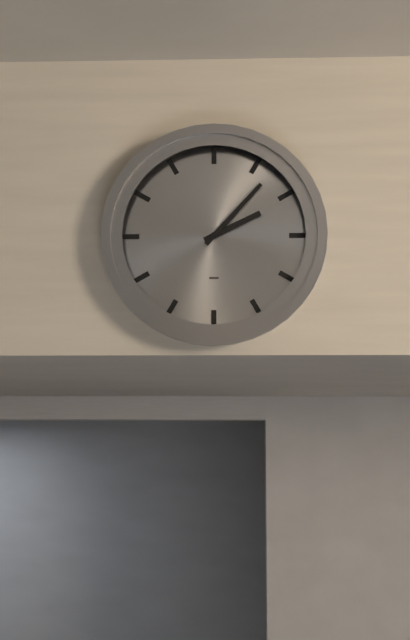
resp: 2h07
